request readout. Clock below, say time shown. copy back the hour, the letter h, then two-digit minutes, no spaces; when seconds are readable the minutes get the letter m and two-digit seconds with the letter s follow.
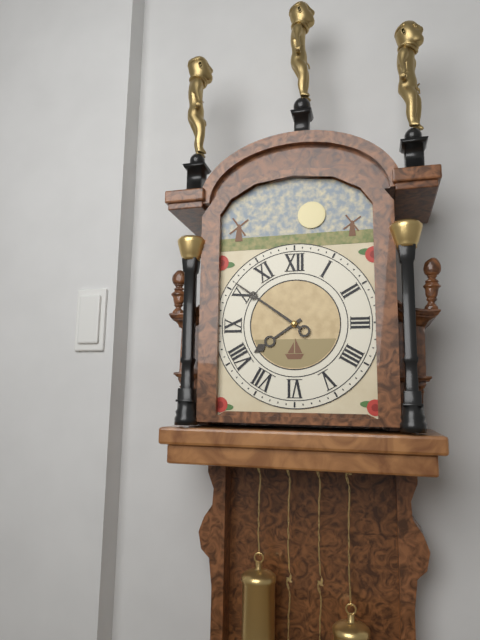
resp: 7h51
